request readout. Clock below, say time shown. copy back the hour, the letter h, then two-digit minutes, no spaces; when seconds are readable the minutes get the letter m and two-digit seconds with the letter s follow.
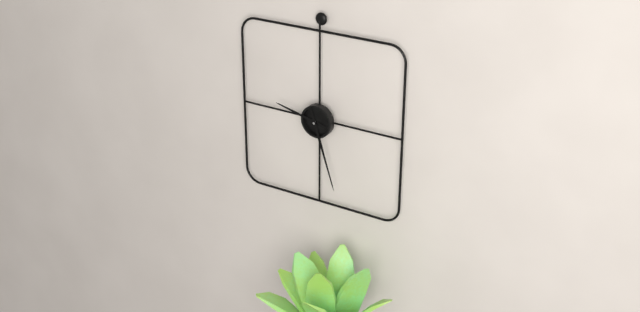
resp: 9h27
